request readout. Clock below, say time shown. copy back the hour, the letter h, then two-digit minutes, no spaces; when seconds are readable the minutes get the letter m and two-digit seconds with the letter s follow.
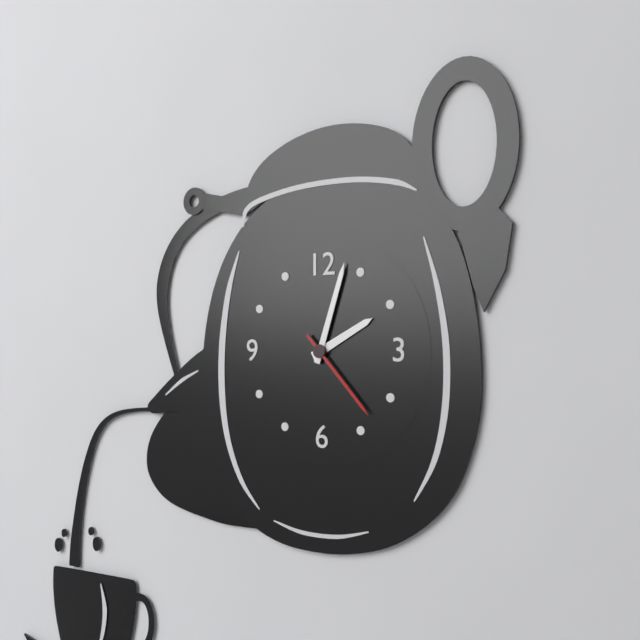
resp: 2h03m23s
